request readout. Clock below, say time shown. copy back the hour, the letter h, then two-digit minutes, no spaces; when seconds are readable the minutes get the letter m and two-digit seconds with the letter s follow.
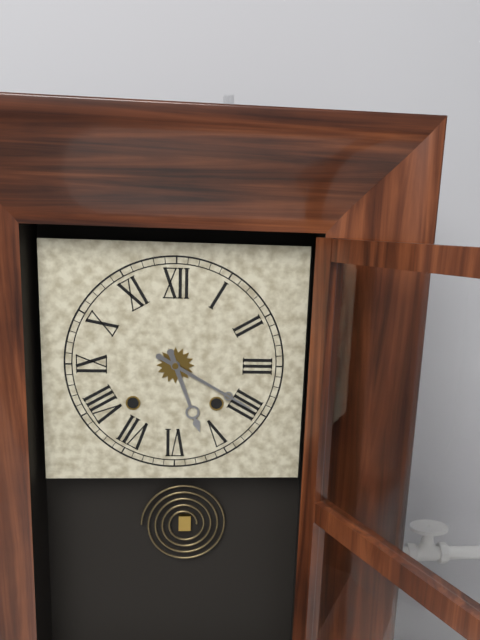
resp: 5h20
